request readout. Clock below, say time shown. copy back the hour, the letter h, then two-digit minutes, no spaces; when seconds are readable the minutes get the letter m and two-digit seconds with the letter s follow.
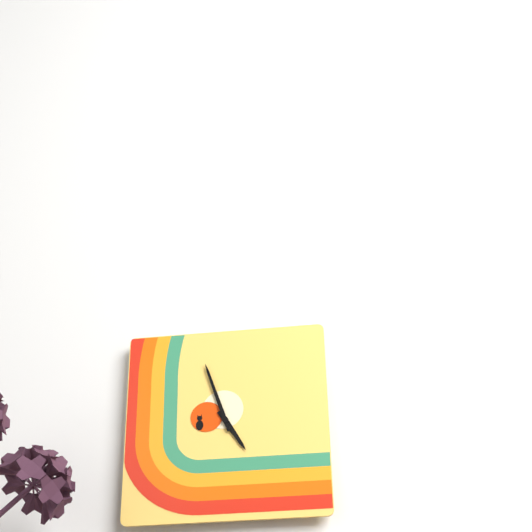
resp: 4h57
